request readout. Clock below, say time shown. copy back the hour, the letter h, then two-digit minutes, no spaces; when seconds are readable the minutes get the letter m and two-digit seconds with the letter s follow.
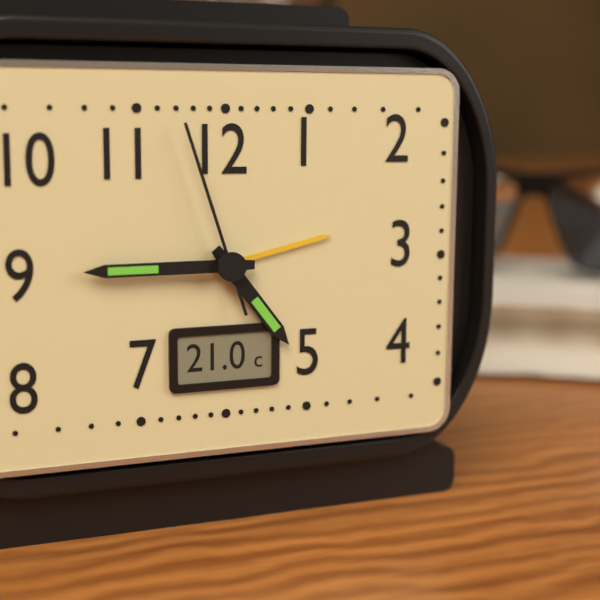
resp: 4h45m57s
